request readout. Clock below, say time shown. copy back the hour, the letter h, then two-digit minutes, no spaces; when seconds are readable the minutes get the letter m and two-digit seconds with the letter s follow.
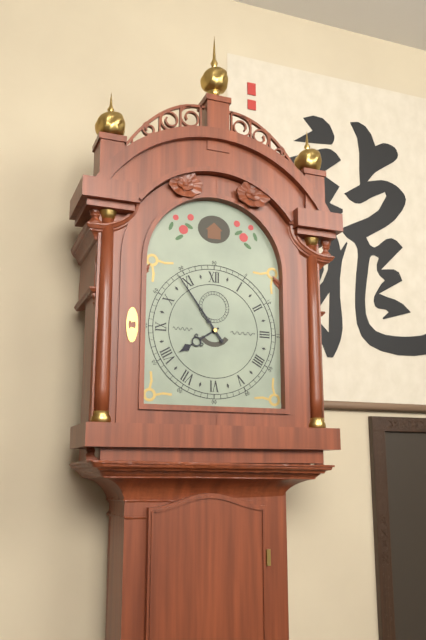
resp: 7h54
